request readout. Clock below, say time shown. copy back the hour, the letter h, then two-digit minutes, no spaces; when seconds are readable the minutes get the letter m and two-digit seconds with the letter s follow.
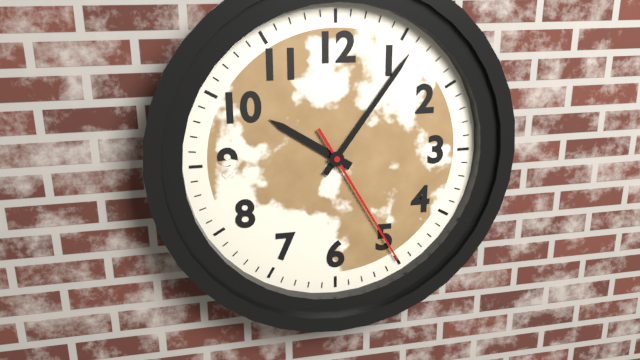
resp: 10h06m25s
